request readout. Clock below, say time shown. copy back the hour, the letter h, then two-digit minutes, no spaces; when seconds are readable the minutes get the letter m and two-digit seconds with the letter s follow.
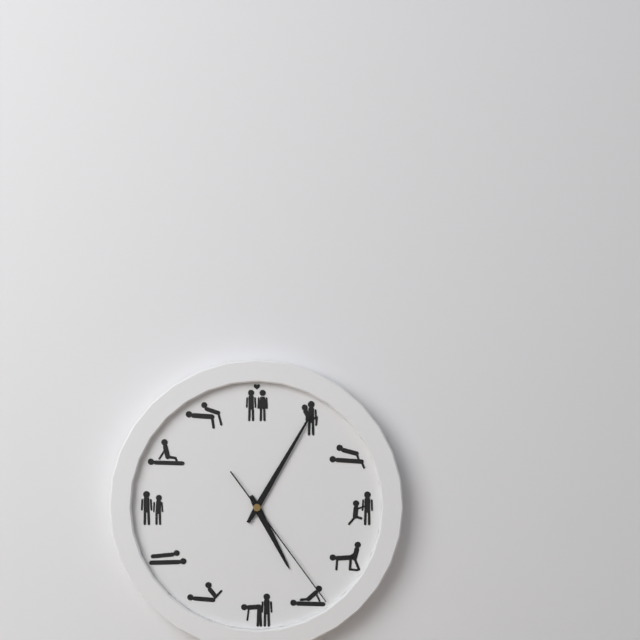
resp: 5h05m24s
